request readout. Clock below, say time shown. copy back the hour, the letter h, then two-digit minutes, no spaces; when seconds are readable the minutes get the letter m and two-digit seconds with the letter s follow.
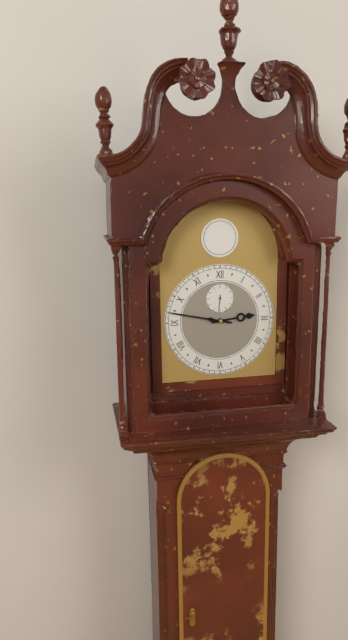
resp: 2h47
